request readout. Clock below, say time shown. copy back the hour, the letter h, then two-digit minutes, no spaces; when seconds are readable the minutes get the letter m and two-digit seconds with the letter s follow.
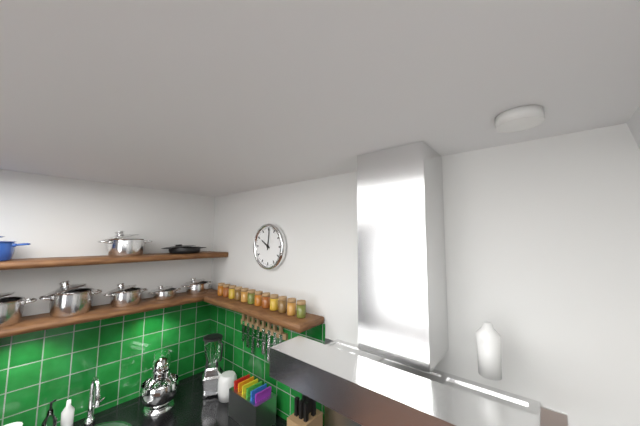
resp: 10h01
